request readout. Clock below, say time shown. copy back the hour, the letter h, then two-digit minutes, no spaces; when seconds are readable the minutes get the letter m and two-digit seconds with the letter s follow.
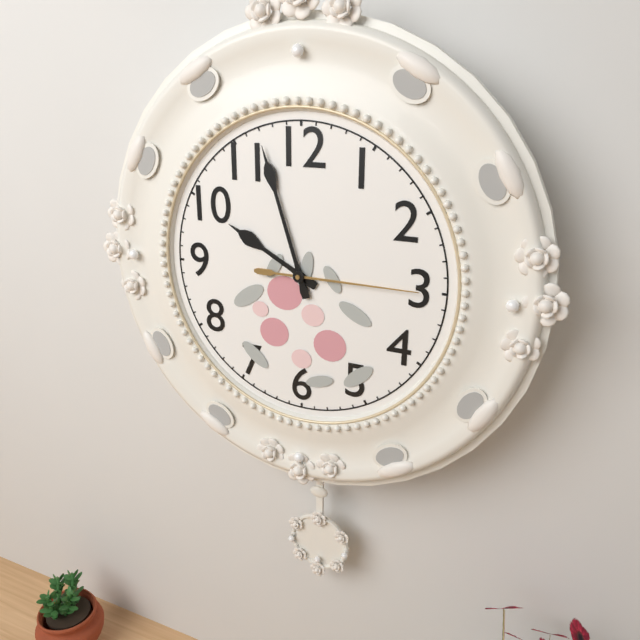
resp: 9h57m15s
